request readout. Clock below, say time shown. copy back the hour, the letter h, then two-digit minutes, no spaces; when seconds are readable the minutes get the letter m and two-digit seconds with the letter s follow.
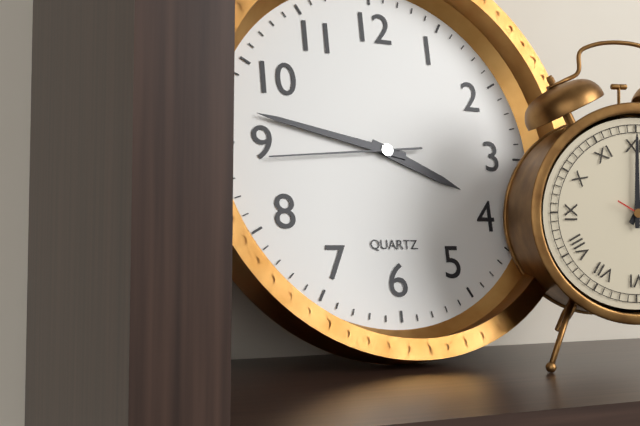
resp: 3h47m44s
